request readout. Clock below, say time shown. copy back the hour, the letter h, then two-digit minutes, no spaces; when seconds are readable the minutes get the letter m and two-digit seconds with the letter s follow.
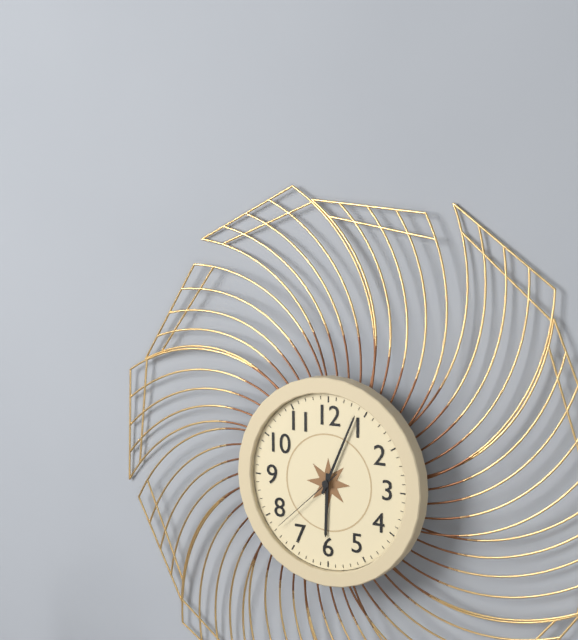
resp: 6h04m38s
